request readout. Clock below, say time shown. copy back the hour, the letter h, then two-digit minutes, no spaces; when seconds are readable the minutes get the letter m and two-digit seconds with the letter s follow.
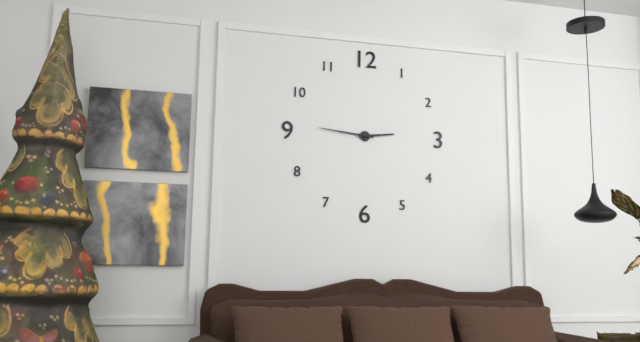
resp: 2h46
